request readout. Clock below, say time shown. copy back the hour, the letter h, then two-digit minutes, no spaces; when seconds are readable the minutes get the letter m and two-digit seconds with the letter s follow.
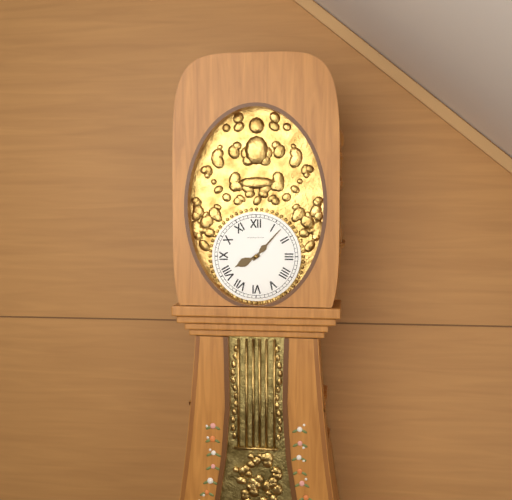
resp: 8h07
